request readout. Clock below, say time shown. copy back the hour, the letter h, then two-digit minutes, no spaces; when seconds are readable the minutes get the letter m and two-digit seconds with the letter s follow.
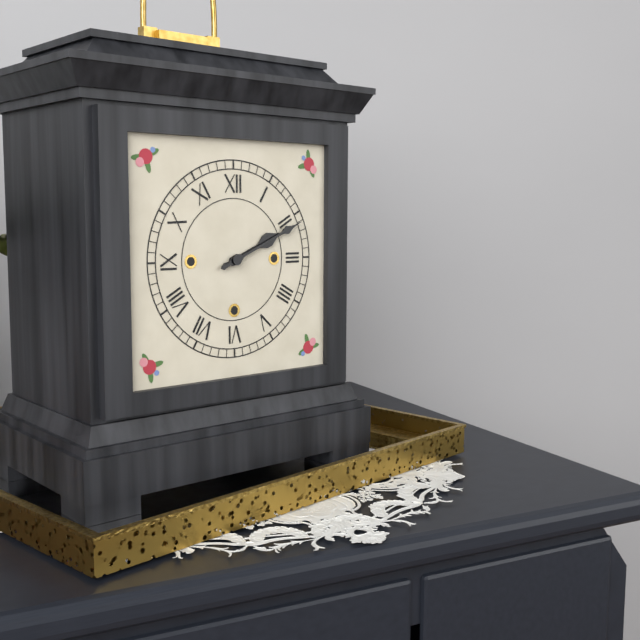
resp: 2h11
